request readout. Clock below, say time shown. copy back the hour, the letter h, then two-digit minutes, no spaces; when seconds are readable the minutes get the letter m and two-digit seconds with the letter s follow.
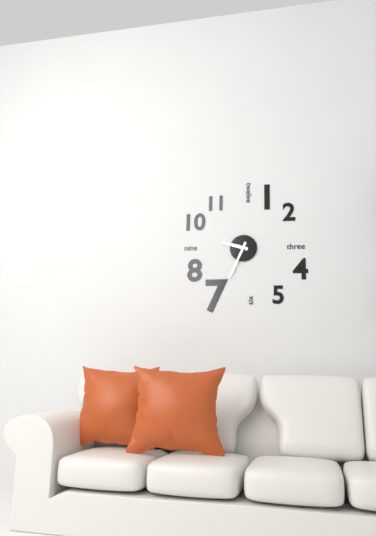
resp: 9h34
